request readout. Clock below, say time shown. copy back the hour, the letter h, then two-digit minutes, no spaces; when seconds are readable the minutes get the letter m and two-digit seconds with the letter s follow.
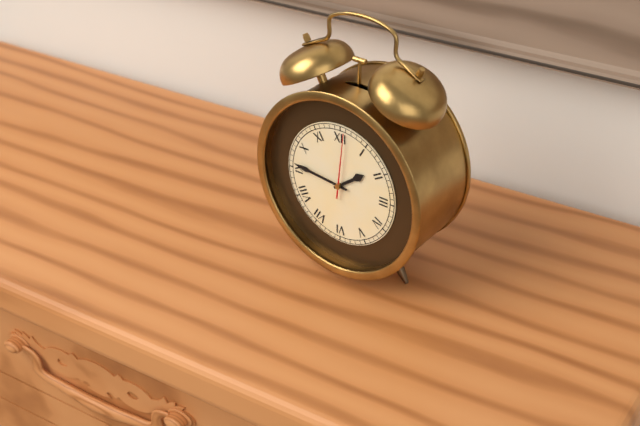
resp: 1h46m01s
